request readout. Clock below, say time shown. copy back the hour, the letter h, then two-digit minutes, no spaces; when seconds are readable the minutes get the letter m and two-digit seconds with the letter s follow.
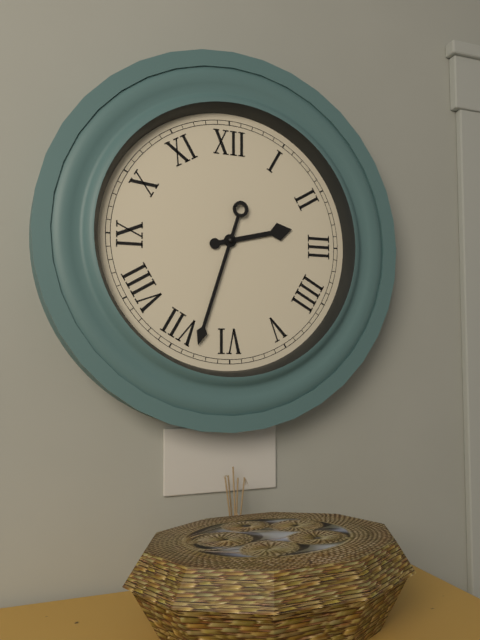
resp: 2h33
